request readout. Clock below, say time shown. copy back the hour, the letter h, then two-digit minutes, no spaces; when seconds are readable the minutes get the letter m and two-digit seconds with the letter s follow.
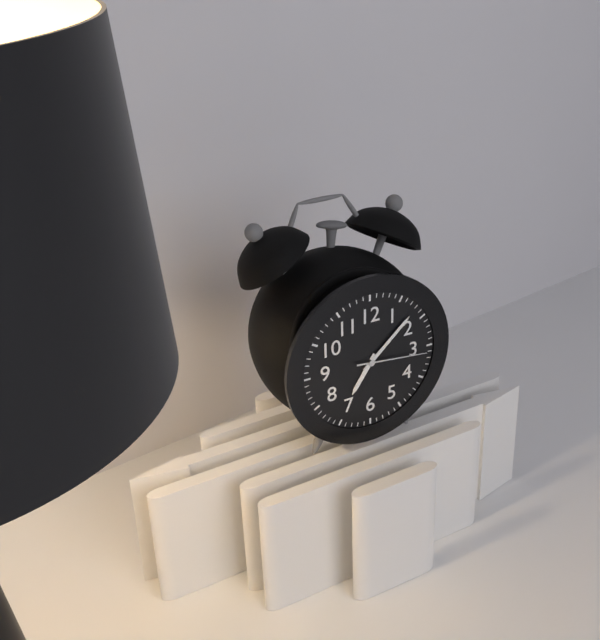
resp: 7h08m16s
